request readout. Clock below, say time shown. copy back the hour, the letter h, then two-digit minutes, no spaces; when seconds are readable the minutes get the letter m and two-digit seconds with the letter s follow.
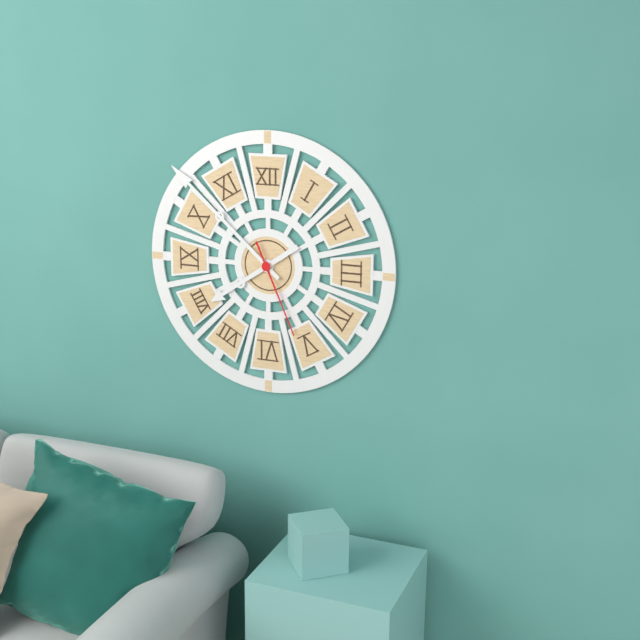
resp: 7h52m26s
